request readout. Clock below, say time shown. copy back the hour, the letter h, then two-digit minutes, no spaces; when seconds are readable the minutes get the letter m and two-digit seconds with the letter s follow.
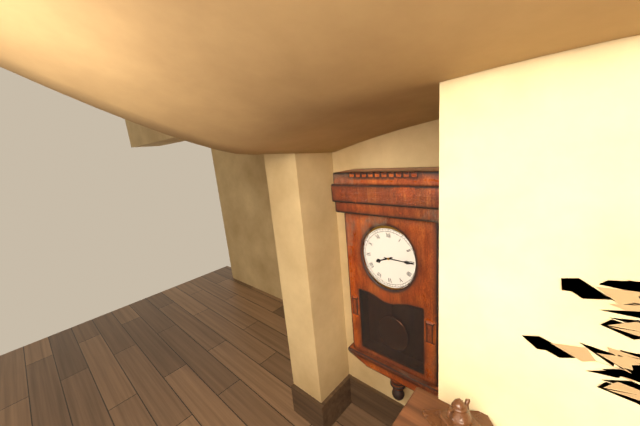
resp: 8h15
